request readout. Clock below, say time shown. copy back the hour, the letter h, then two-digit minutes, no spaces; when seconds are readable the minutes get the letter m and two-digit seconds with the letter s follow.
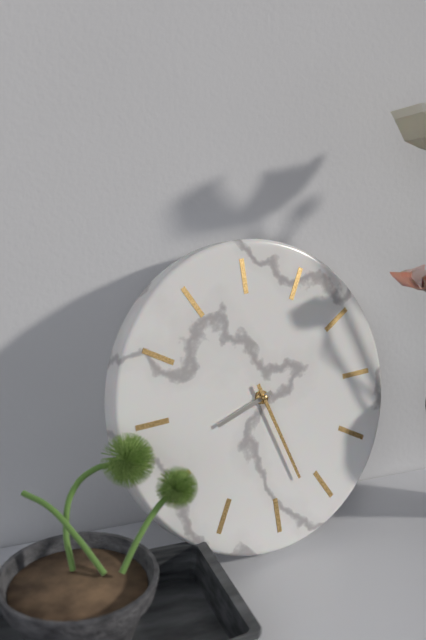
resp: 8h27
